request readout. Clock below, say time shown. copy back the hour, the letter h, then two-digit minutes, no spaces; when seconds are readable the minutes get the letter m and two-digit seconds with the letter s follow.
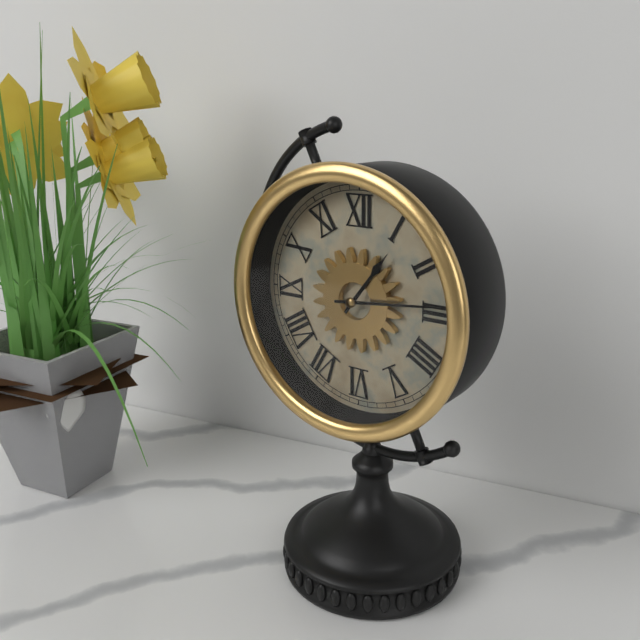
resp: 1h14
